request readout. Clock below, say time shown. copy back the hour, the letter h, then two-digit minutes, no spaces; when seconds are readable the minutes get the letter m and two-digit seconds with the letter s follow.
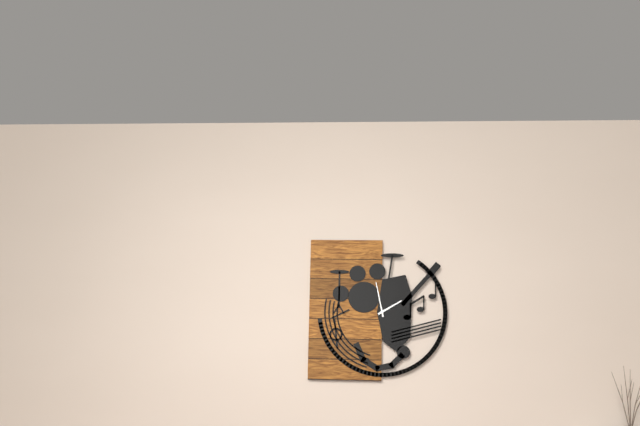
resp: 1h58
